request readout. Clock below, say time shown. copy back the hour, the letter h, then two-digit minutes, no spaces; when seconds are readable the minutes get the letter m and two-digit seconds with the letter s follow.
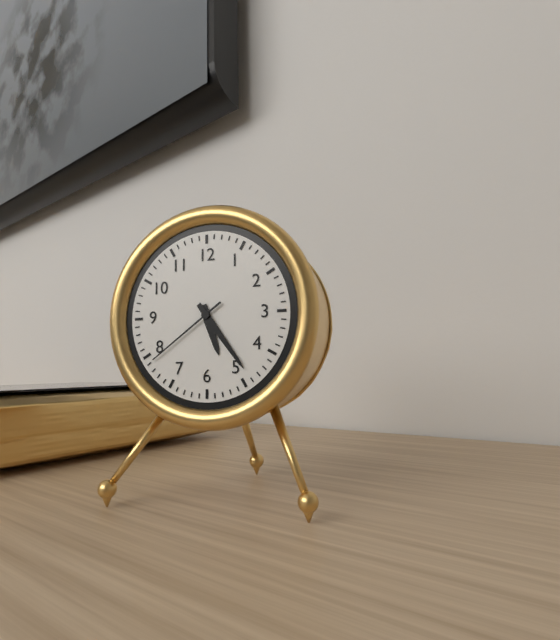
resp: 5h24m39s
